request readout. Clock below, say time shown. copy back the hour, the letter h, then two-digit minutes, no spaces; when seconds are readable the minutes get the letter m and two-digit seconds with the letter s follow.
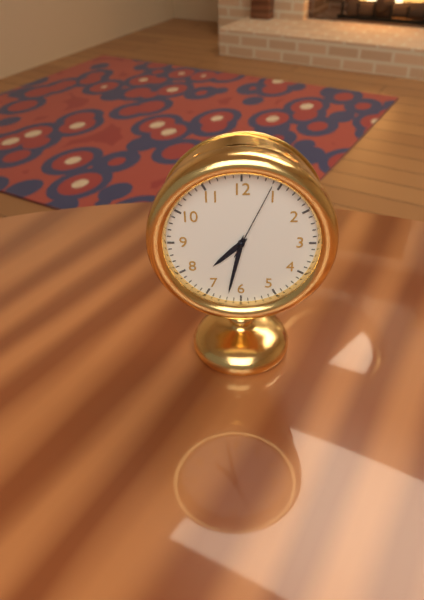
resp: 7h32m04s
